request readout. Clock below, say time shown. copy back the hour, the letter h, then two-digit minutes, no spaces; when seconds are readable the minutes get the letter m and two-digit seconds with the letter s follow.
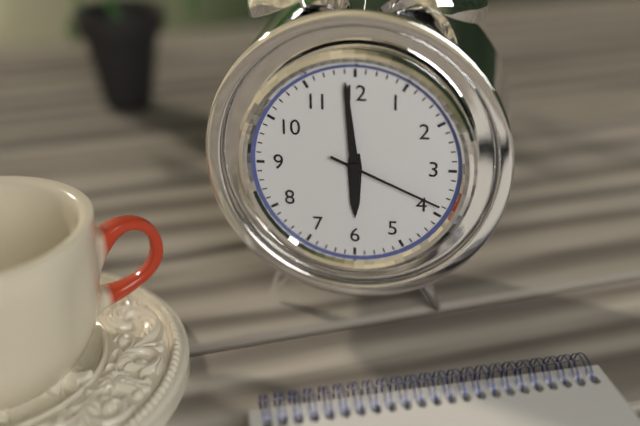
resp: 5h59m19s
